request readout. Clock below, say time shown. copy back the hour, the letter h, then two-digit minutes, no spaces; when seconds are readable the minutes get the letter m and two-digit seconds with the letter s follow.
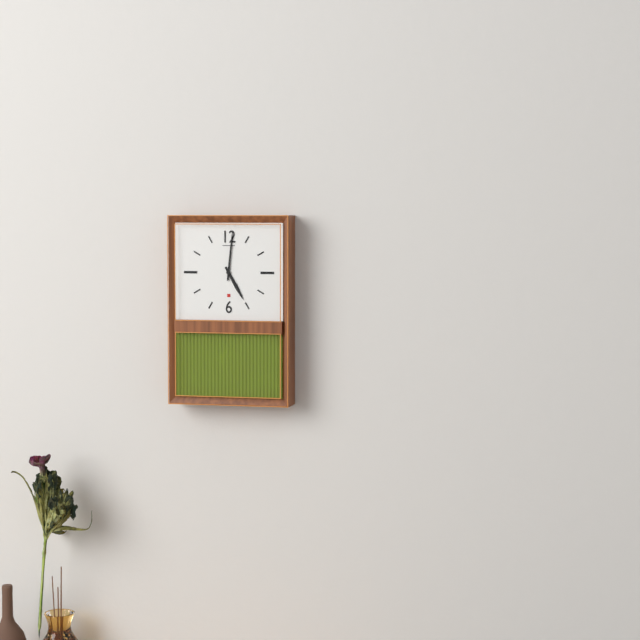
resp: 5h01
